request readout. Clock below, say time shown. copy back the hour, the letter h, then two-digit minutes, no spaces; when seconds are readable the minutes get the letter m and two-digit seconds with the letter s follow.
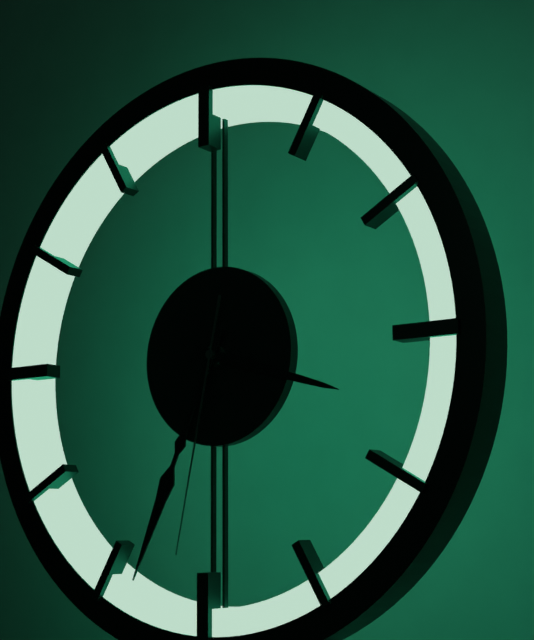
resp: 3h34m32s
